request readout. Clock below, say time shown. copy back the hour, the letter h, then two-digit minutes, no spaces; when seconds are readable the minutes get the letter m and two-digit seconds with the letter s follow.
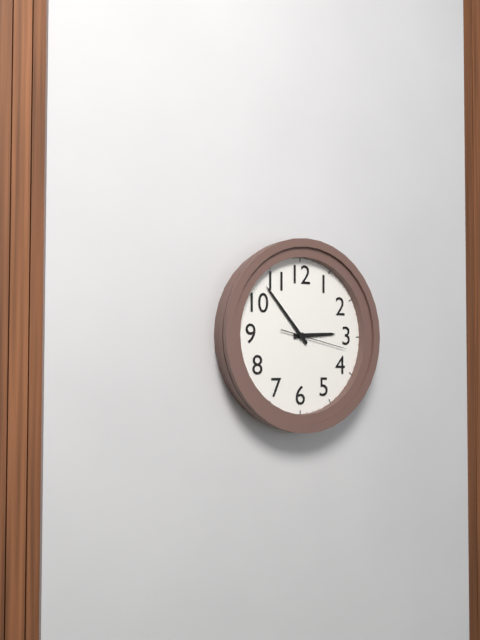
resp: 2h53m17s
